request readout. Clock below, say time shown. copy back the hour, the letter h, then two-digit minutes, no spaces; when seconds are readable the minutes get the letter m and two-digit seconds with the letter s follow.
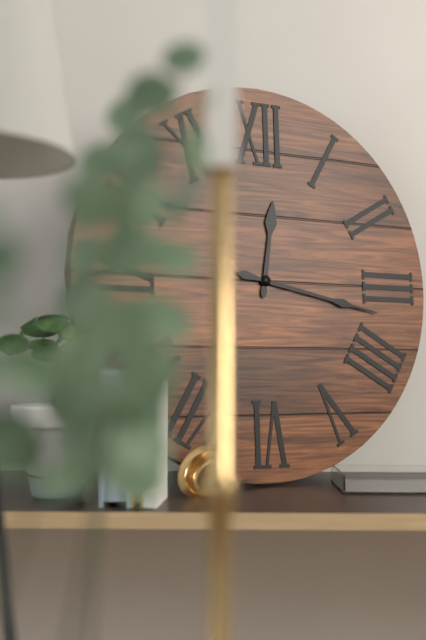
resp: 12h17
